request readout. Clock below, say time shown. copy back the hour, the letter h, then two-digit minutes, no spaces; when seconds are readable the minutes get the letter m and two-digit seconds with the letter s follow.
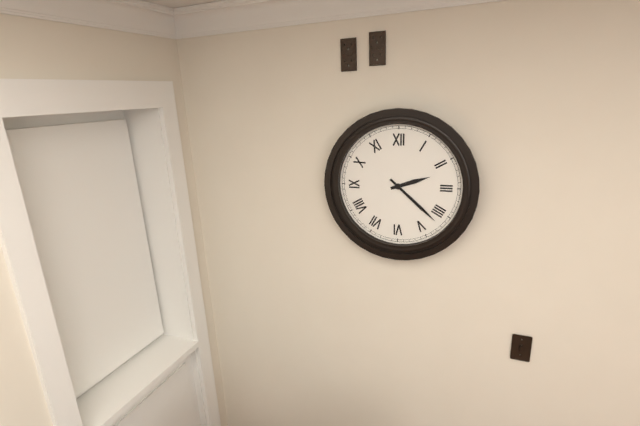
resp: 2h22
